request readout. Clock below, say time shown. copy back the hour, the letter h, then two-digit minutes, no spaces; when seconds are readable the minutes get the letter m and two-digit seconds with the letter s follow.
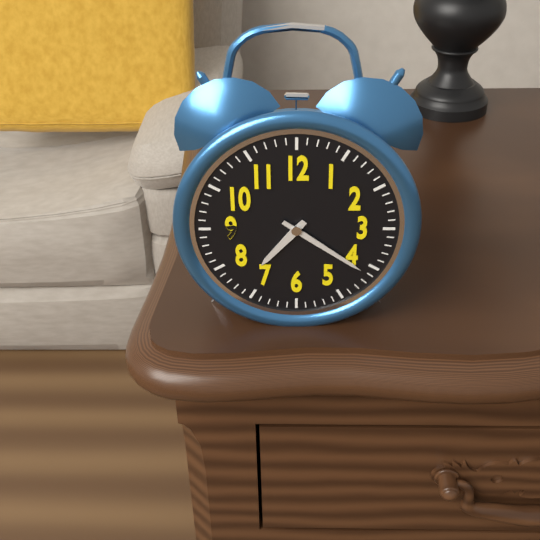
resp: 7h21
